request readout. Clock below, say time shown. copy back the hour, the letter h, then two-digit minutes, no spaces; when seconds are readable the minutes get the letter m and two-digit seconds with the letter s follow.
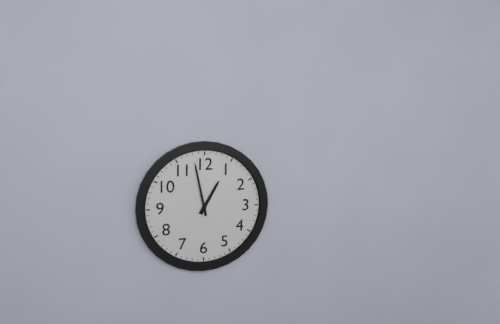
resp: 12h58
